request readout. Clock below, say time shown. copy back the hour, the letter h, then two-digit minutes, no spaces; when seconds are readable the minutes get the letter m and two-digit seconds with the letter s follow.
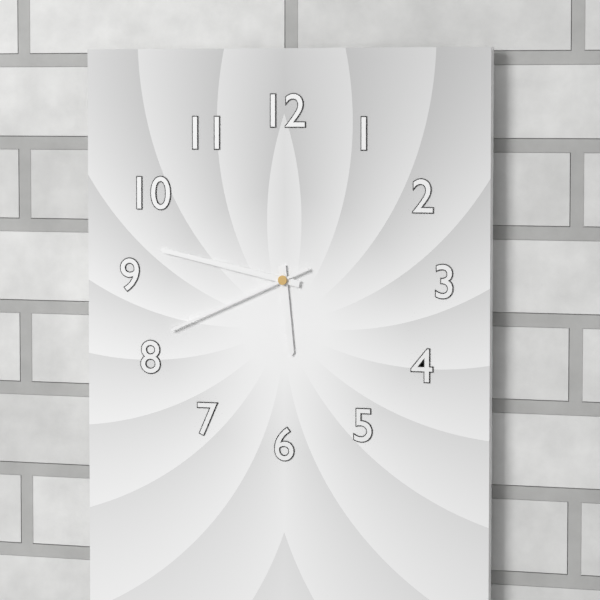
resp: 5h47m41s
